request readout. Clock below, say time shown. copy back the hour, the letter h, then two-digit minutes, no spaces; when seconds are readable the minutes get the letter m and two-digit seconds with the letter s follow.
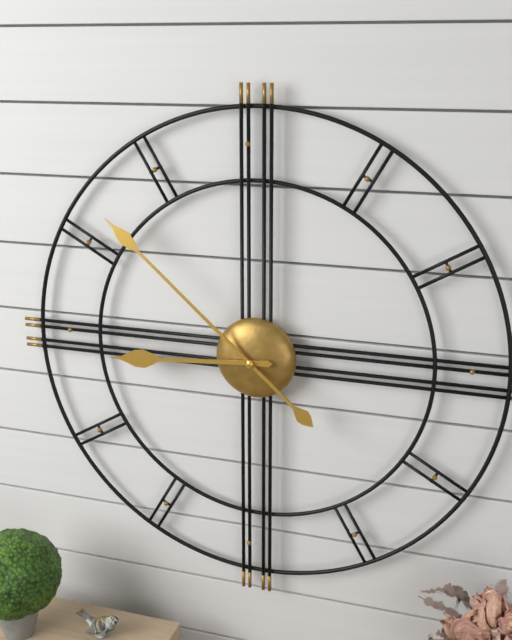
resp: 8h52
